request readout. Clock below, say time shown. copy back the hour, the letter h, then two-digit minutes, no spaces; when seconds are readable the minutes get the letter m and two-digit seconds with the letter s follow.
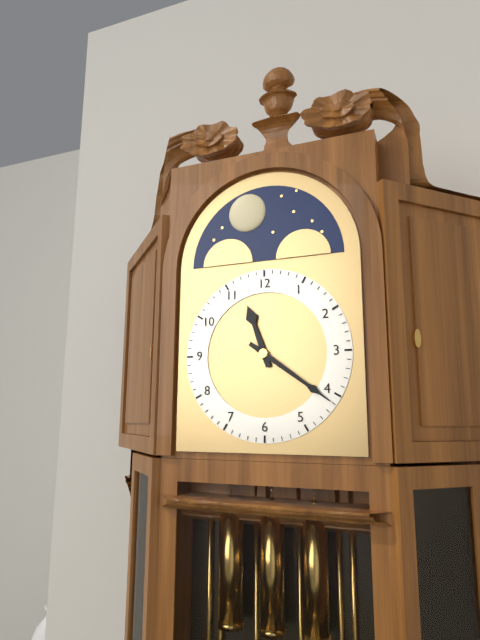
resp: 11h21
